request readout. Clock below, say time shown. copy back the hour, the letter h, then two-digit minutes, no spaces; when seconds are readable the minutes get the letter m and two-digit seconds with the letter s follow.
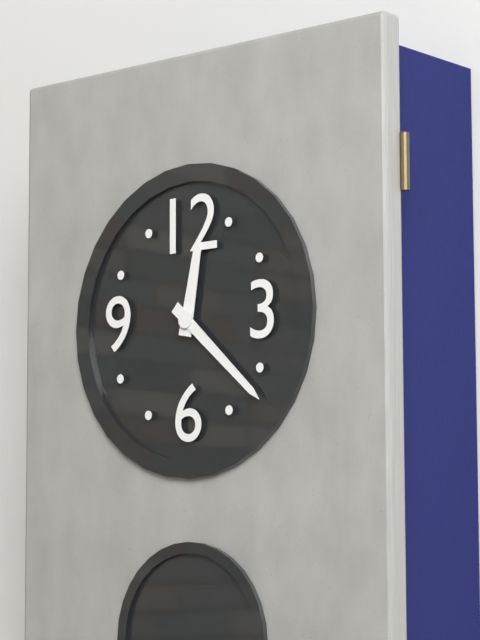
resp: 12h22
